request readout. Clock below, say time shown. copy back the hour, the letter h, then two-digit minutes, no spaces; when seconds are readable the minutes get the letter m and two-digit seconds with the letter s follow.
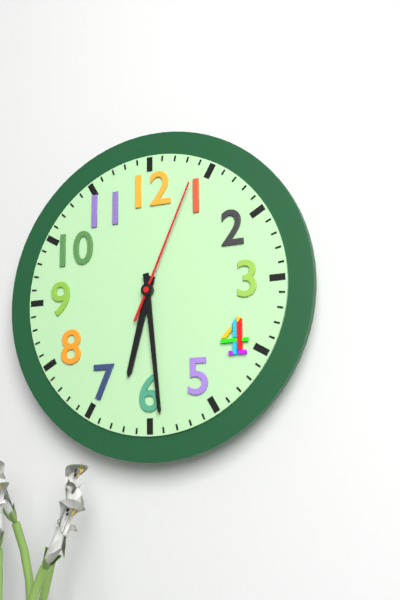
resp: 6h29m04s
